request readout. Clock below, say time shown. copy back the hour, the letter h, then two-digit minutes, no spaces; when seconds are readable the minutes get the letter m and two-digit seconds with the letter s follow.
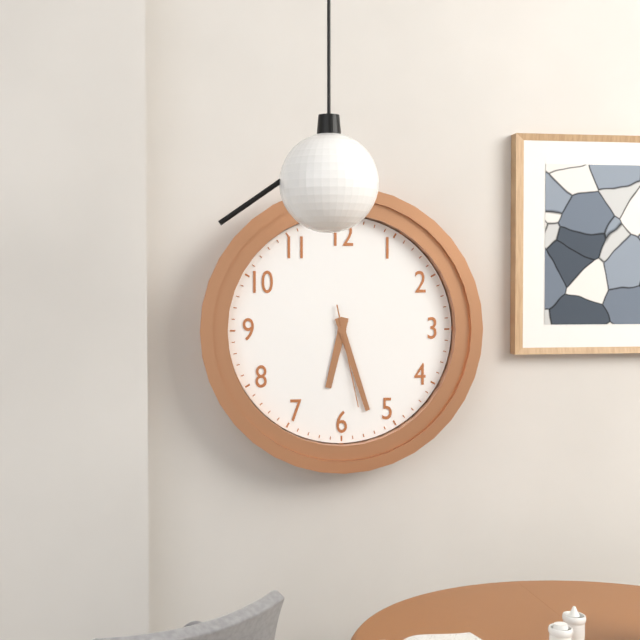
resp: 6h27m28s
